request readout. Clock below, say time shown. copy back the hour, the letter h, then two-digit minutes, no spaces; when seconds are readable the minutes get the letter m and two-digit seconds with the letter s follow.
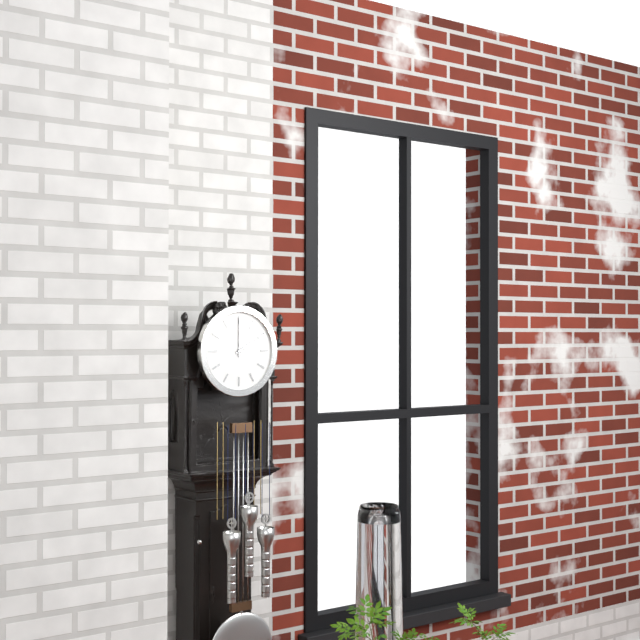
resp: 2h00
